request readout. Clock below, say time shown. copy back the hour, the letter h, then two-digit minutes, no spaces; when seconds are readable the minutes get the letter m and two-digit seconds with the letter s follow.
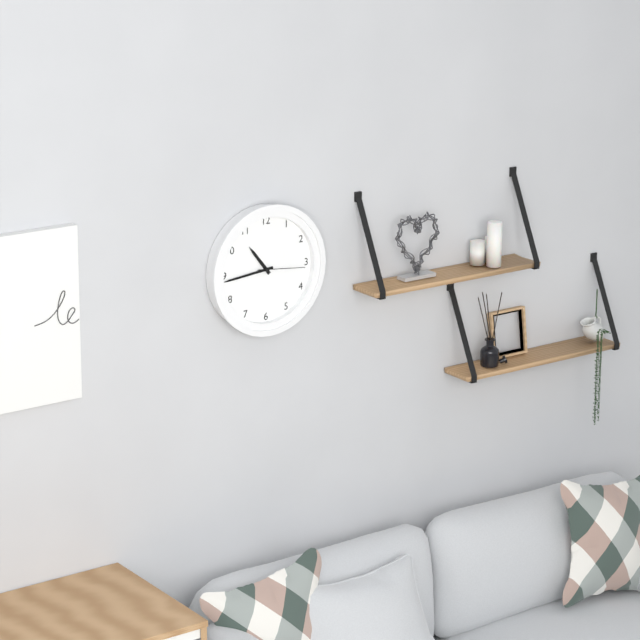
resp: 10h44
